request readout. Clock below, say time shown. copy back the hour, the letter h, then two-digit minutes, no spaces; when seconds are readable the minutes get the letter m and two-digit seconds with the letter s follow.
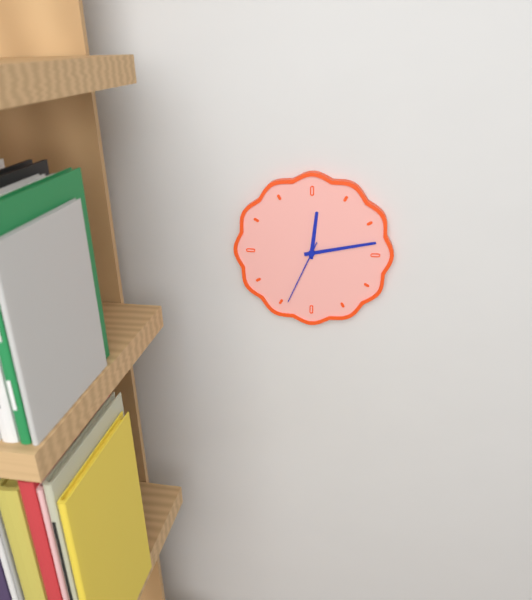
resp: 12h13m34s
